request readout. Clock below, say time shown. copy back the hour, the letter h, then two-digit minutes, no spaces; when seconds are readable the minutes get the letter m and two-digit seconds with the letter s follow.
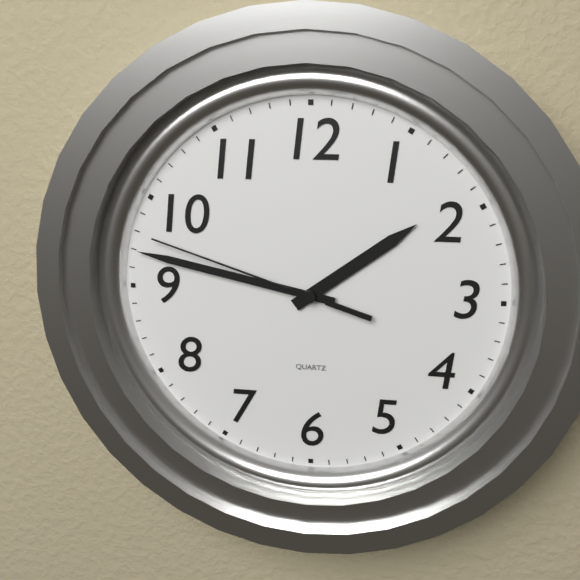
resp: 1h47m48s
